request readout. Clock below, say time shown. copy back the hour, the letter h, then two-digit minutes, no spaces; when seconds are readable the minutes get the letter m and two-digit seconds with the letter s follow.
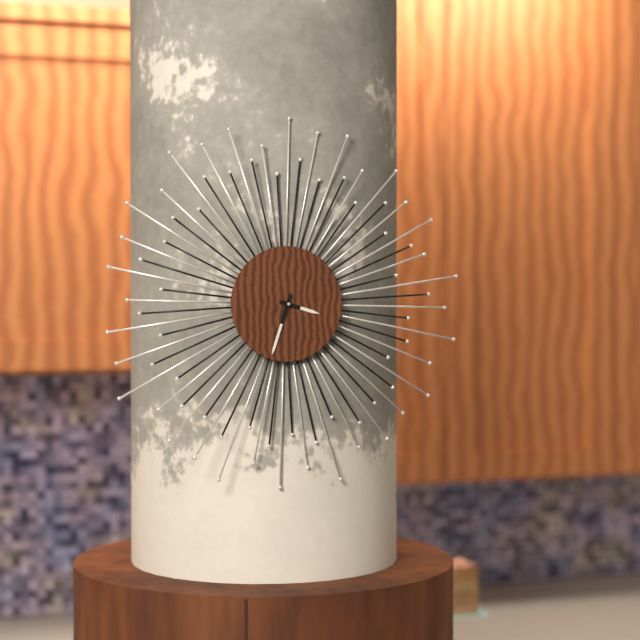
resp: 3h33
